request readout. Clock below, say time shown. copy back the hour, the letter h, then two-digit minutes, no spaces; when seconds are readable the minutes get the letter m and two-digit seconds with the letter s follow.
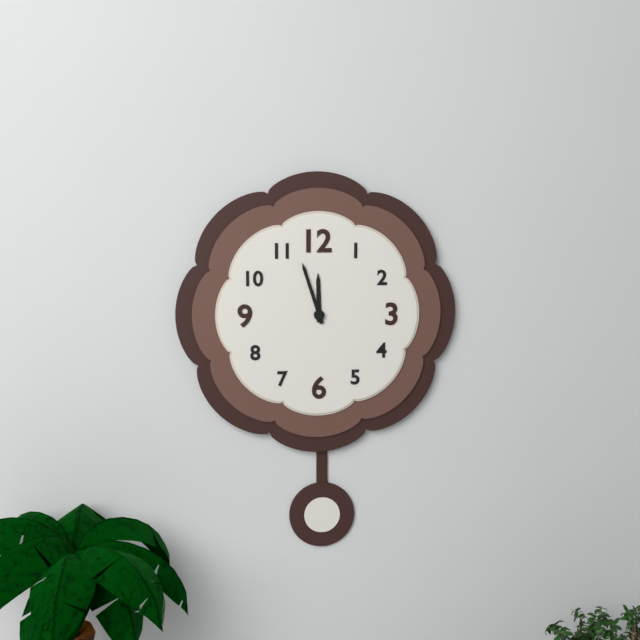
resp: 11h57
